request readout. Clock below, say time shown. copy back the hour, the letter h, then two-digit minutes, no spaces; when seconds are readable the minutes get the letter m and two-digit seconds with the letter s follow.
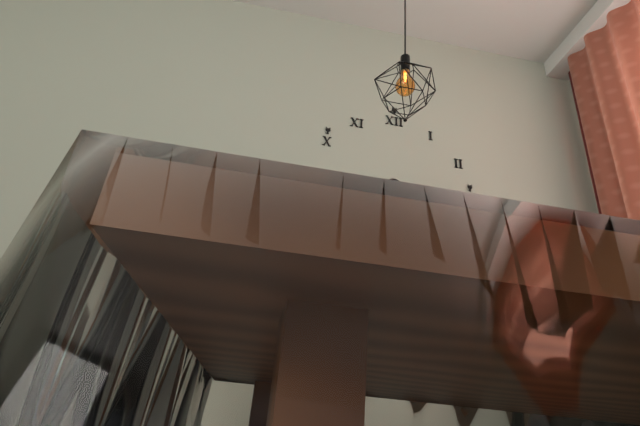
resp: 3h43
